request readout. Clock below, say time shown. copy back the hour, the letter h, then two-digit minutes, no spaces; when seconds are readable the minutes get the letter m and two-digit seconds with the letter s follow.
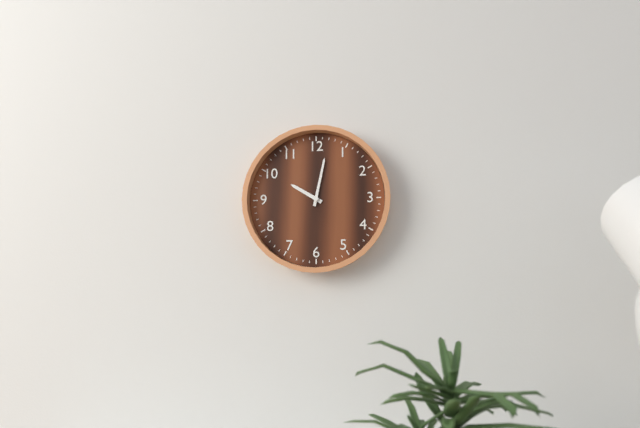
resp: 10h02
